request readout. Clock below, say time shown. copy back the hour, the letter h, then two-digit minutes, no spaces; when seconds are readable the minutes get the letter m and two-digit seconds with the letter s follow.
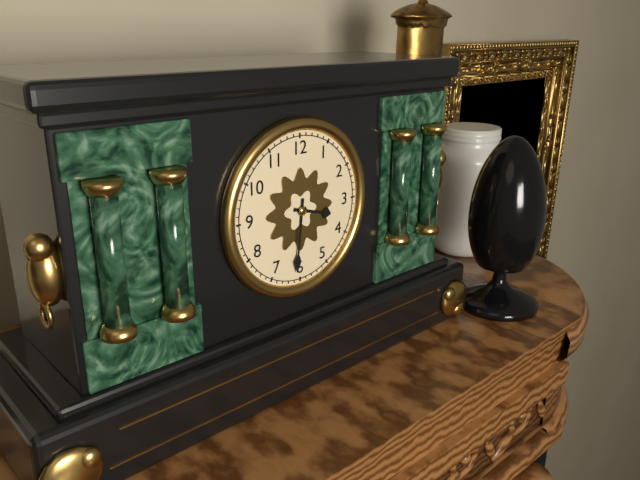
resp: 3h31
